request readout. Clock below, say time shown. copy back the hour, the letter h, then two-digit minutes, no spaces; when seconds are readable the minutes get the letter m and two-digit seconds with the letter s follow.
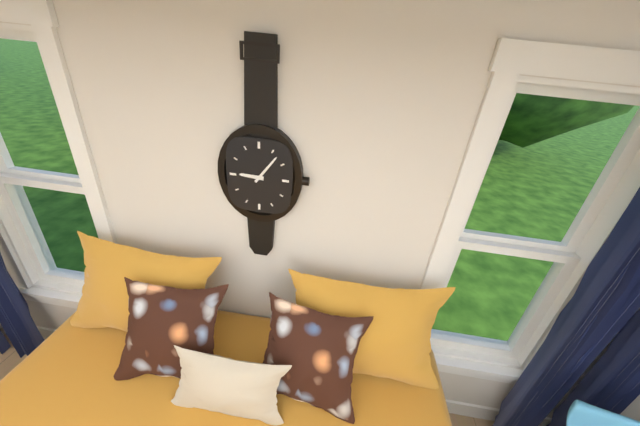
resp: 9h06
